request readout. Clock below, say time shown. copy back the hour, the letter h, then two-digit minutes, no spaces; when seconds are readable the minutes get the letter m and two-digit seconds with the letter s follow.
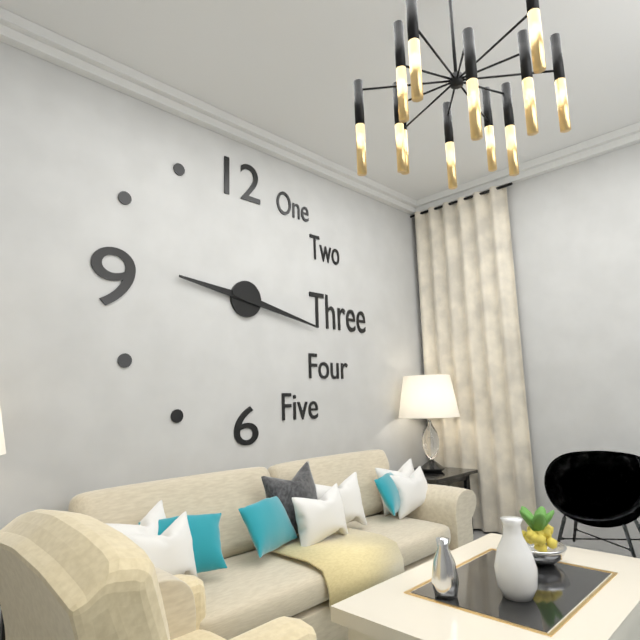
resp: 9h17
